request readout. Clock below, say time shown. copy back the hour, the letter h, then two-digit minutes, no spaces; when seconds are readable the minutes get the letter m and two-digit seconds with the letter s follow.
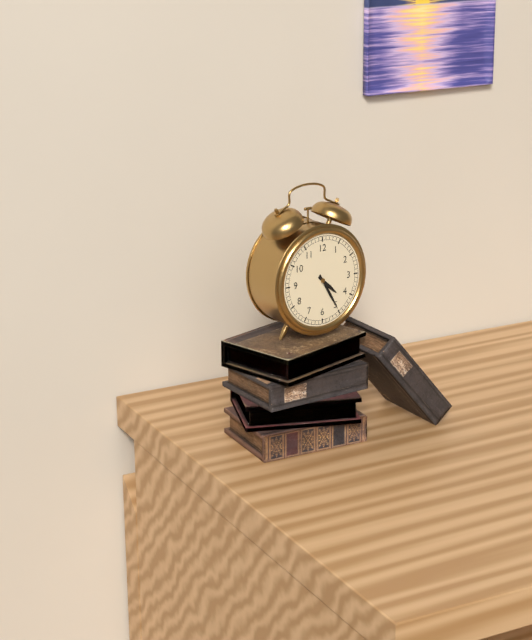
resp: 4h25
